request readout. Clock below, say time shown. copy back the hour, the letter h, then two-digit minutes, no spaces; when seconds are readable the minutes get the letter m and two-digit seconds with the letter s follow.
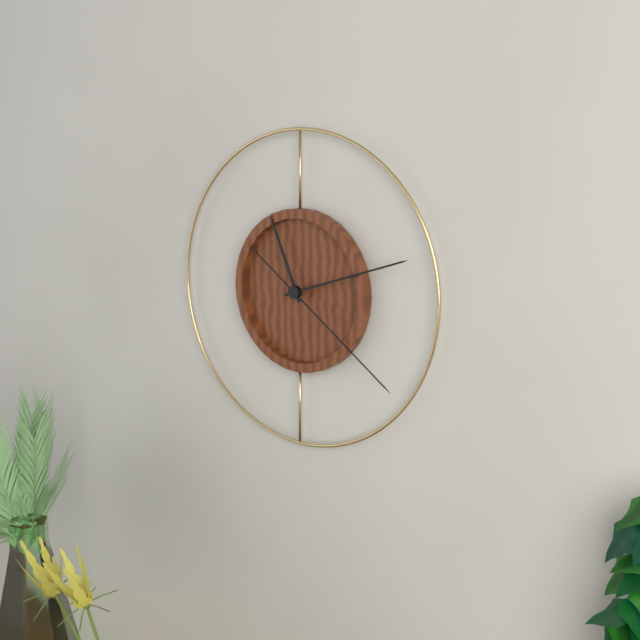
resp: 11h12m21s
